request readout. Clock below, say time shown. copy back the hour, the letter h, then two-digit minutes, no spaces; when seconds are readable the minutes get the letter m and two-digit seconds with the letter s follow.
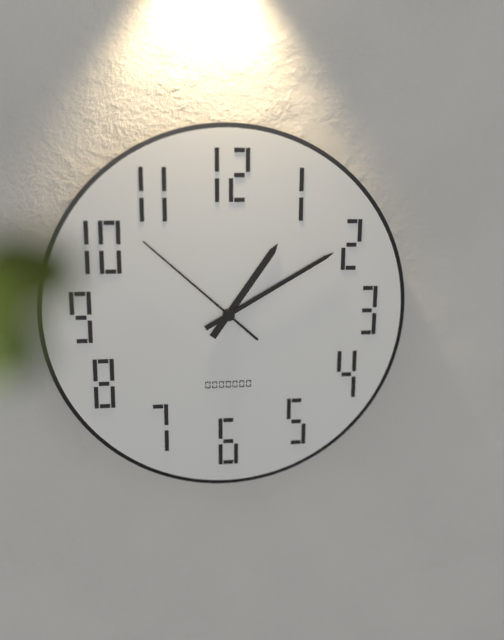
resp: 1h10m52s
